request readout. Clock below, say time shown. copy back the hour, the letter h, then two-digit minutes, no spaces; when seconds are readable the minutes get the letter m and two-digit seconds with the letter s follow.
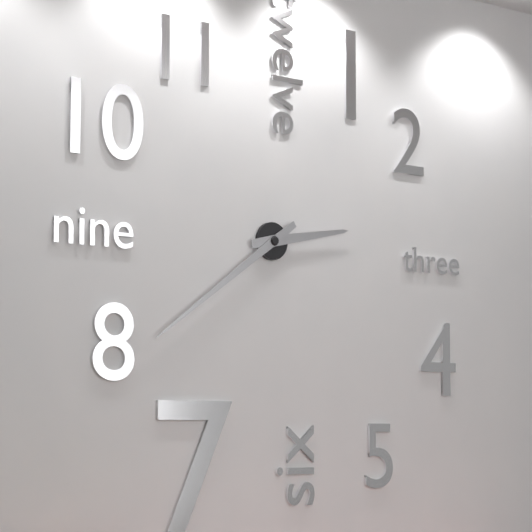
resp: 2h39
